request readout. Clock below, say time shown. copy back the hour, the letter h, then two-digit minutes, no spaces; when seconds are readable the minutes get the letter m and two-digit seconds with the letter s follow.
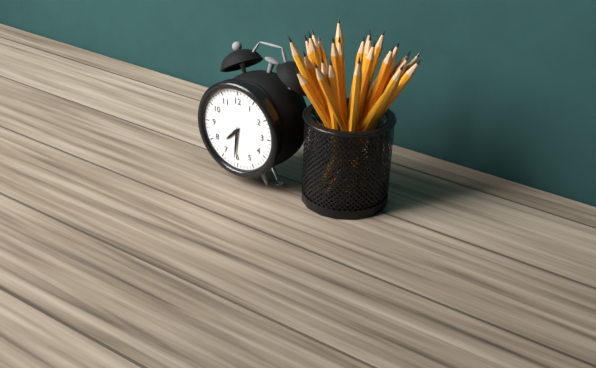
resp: 7h31
